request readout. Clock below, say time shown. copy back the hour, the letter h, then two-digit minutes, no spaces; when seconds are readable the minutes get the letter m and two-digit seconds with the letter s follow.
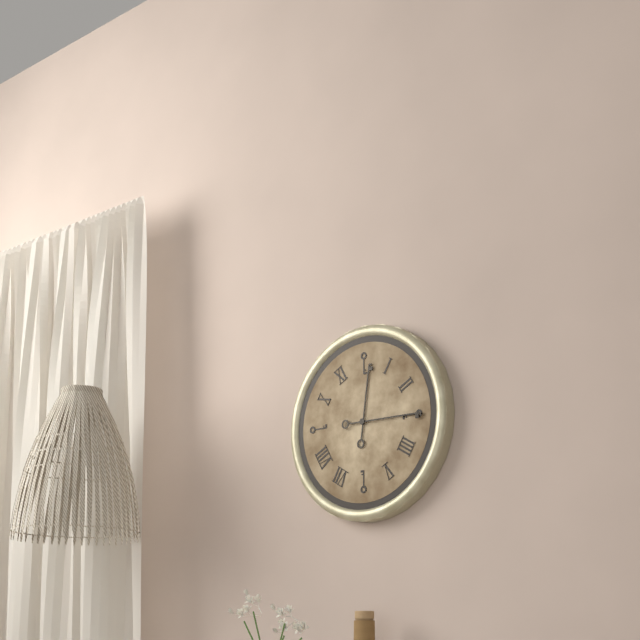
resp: 12h15
